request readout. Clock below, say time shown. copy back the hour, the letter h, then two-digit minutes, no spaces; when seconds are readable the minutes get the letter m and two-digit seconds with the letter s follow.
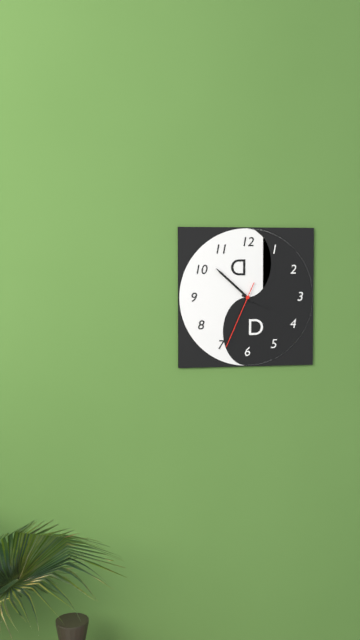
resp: 3h52m34s
